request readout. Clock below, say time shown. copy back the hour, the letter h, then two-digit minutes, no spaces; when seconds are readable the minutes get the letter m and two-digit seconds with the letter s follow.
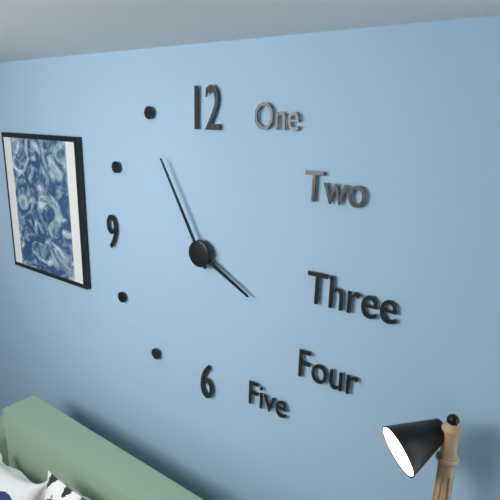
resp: 3h55
